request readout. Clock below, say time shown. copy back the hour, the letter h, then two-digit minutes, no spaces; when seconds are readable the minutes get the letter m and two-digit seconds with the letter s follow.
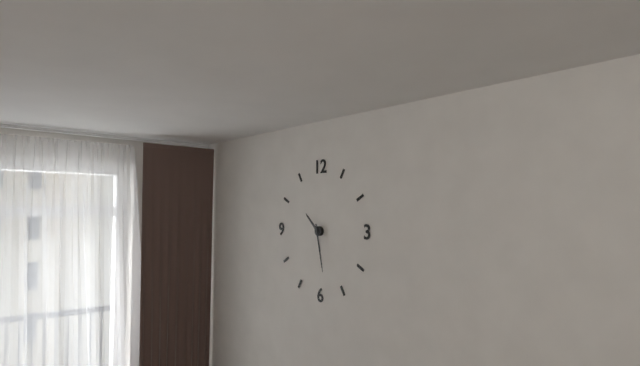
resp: 10h28
